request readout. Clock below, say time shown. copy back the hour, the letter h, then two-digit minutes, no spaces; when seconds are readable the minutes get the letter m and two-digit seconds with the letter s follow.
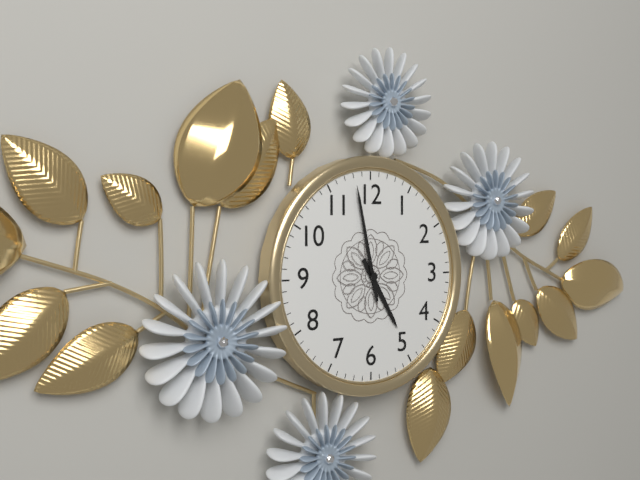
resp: 4h58
